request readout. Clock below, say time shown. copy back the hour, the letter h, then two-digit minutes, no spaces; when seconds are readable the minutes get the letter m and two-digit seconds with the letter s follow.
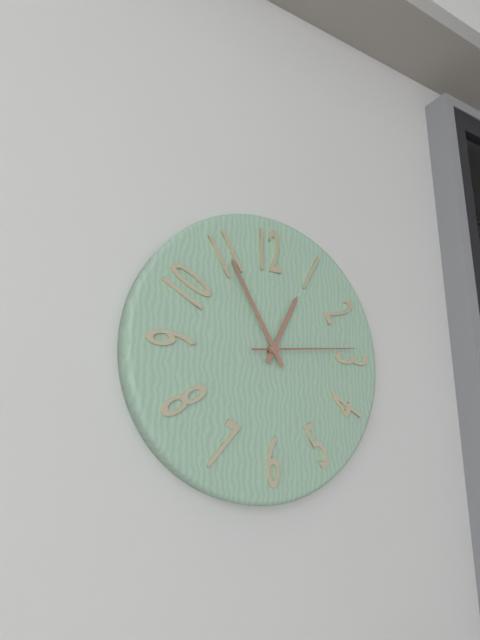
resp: 12h55m14s
